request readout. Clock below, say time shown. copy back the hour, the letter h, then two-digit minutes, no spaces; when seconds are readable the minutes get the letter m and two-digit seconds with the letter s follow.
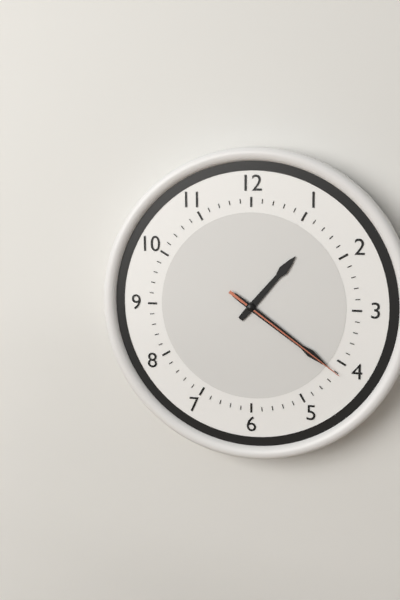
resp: 1h21m21s
